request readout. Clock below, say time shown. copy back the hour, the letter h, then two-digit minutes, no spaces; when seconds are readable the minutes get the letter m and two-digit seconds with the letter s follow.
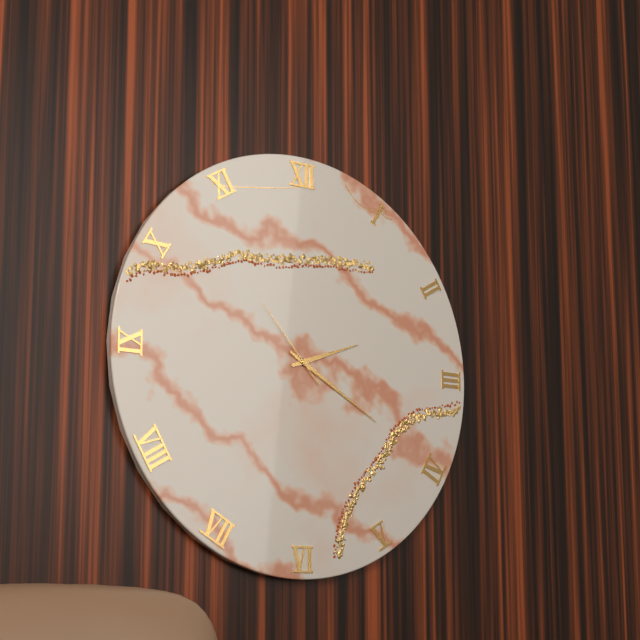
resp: 2h20m53s
